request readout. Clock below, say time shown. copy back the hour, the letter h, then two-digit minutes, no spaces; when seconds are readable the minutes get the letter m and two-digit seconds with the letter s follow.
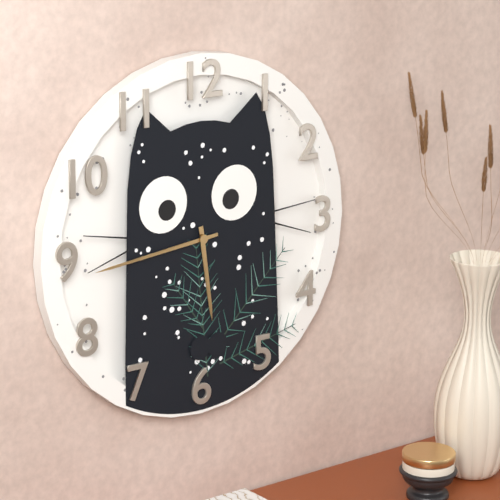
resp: 5h44
